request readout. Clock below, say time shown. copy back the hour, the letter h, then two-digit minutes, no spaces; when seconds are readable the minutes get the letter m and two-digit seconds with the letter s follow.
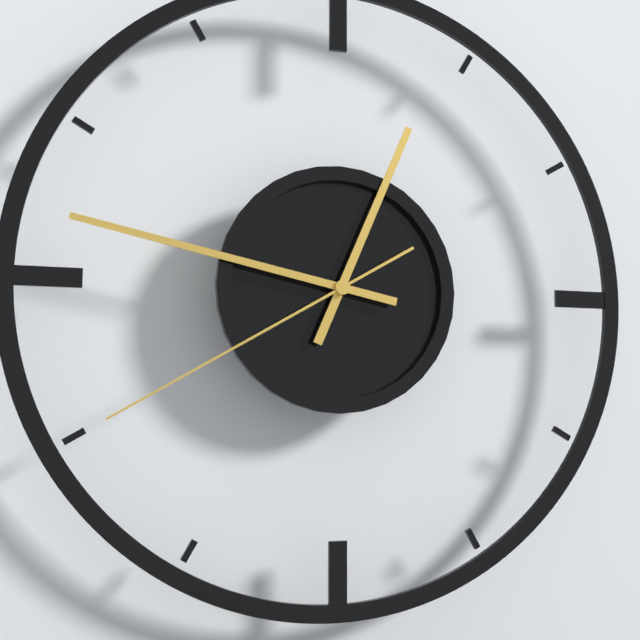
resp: 12h47m40s
